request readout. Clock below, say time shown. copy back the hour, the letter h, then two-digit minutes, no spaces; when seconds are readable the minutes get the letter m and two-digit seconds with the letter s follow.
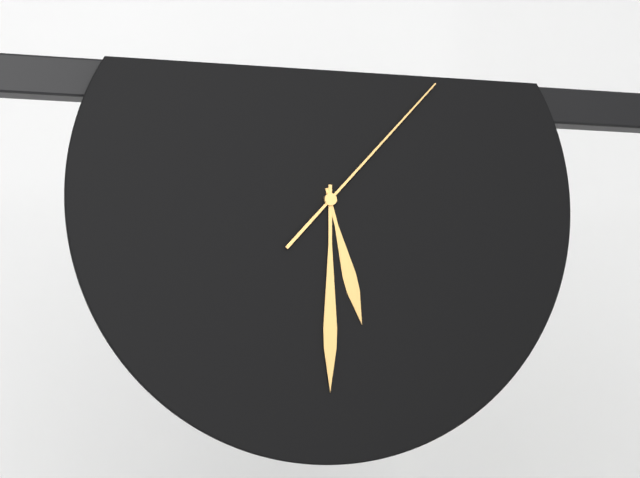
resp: 5h30m07s
